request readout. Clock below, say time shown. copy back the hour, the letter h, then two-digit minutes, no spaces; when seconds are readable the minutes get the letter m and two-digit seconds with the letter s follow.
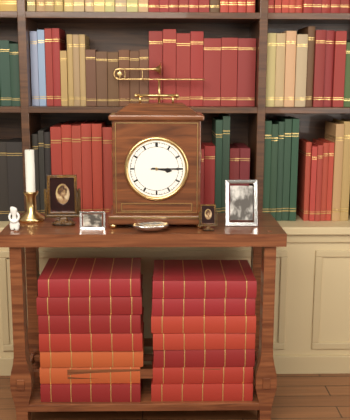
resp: 3h15
